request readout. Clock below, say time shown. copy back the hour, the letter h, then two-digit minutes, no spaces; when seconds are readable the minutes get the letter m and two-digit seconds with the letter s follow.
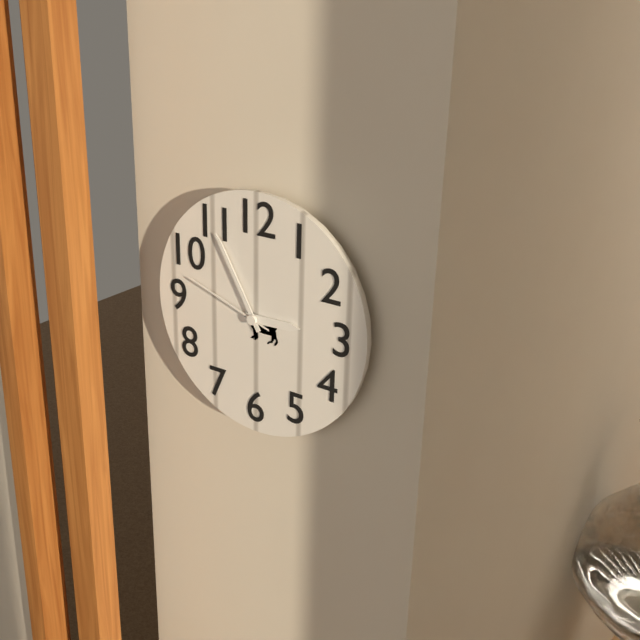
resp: 2h55m48s
